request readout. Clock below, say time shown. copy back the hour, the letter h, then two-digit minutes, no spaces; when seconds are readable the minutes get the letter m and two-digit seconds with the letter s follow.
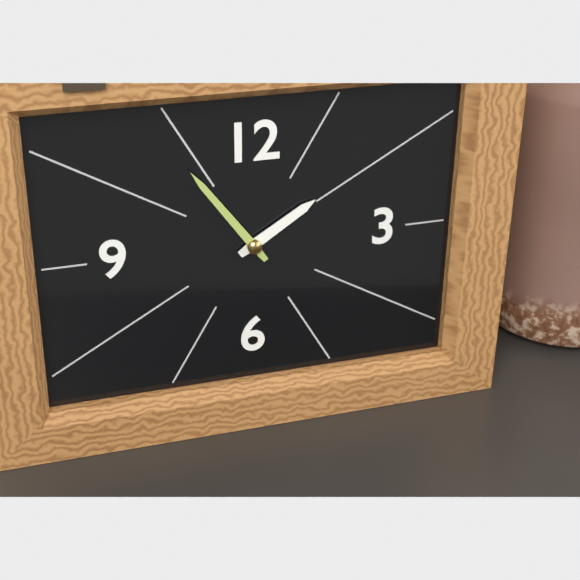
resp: 1h54
